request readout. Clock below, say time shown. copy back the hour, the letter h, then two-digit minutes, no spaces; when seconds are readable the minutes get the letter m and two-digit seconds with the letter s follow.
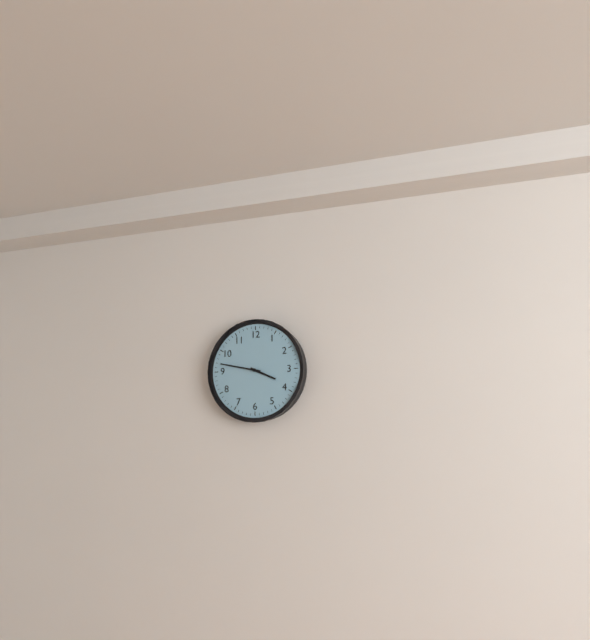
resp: 3h47
